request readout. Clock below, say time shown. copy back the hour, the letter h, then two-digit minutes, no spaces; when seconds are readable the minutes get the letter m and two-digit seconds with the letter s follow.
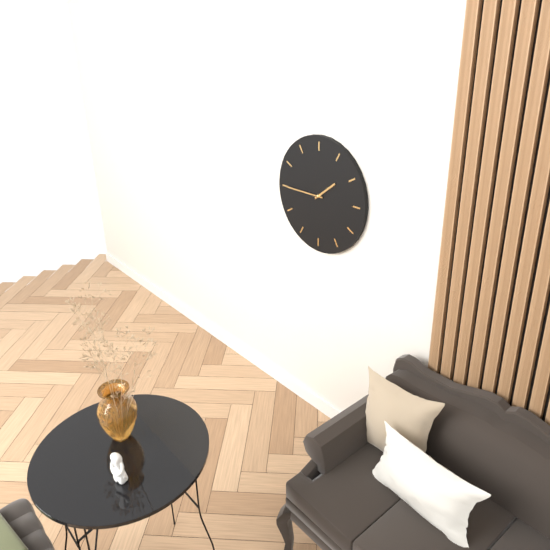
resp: 1h45
